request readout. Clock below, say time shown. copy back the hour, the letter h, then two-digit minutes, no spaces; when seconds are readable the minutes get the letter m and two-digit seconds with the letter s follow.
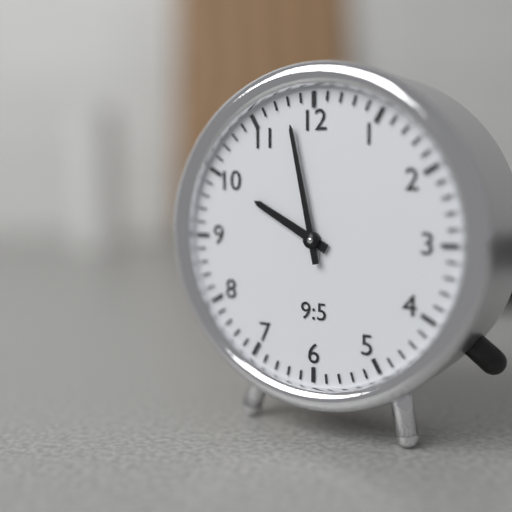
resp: 9h58
